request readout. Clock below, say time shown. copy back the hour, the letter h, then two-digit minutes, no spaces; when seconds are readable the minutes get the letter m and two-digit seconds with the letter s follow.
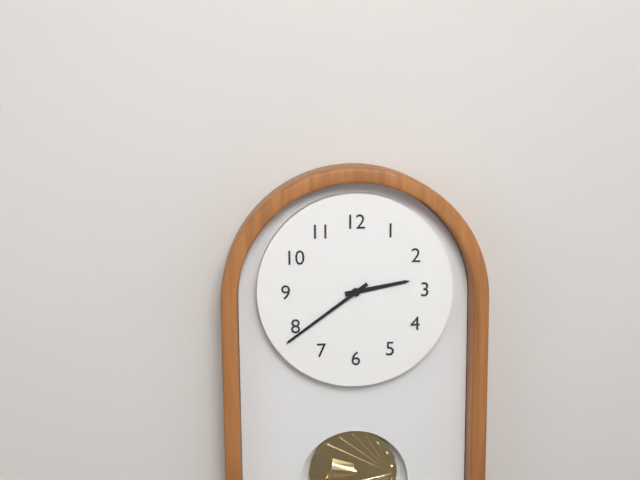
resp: 2h39
